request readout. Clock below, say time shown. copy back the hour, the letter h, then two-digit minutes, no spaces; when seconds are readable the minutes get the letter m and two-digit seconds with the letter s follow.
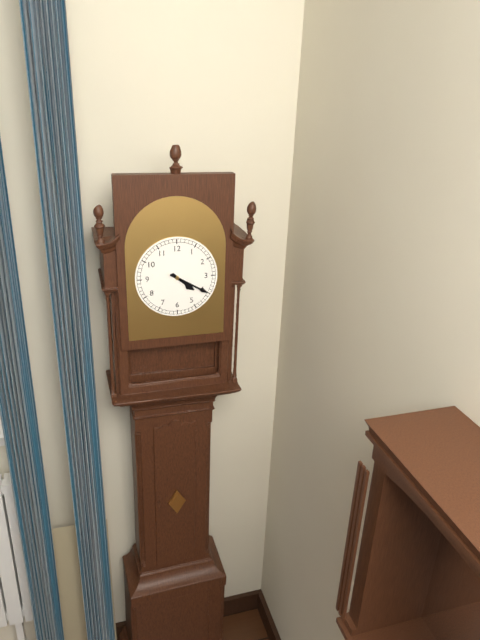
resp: 4h20
